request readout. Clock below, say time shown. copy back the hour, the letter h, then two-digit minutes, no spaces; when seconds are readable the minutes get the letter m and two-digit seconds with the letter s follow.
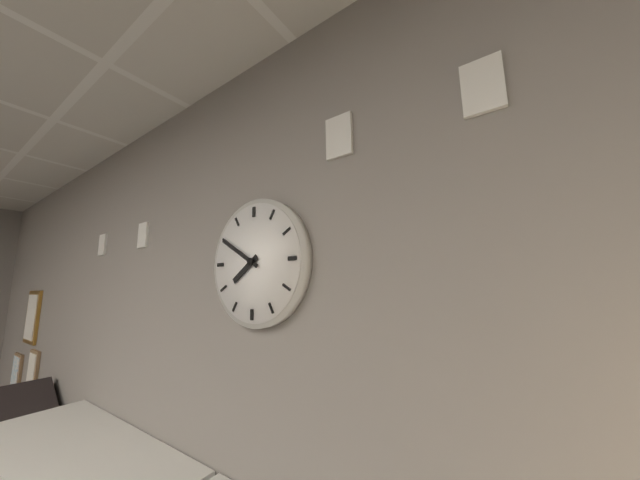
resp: 7h50
